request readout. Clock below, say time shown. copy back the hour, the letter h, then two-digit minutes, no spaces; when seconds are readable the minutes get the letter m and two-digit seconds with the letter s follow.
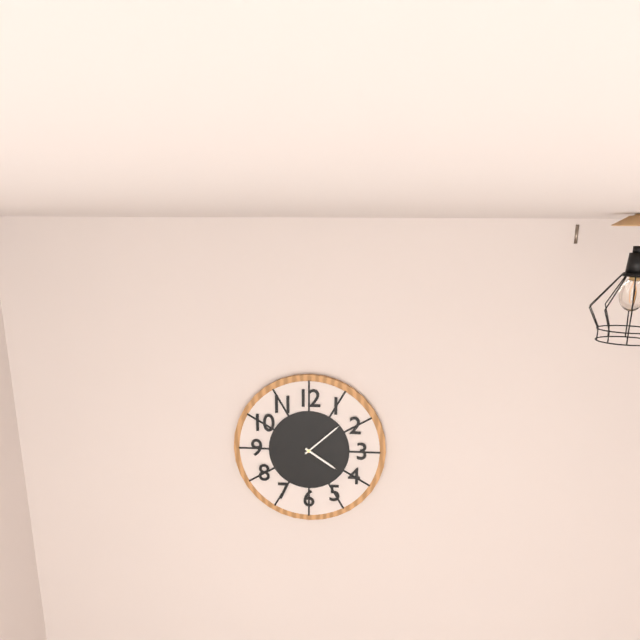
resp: 4h08
